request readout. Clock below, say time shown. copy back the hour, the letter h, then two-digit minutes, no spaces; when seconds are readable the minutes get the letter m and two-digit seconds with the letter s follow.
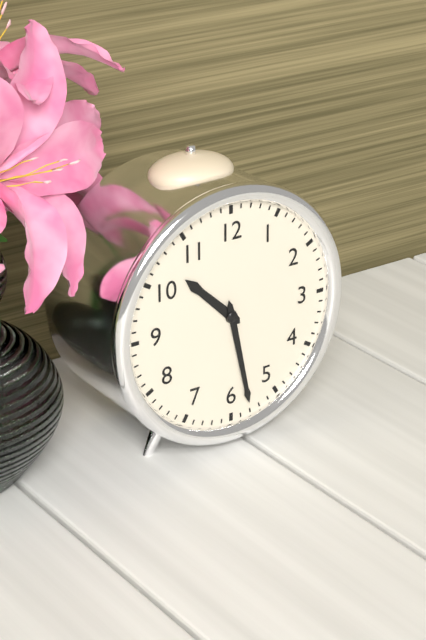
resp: 10h28
